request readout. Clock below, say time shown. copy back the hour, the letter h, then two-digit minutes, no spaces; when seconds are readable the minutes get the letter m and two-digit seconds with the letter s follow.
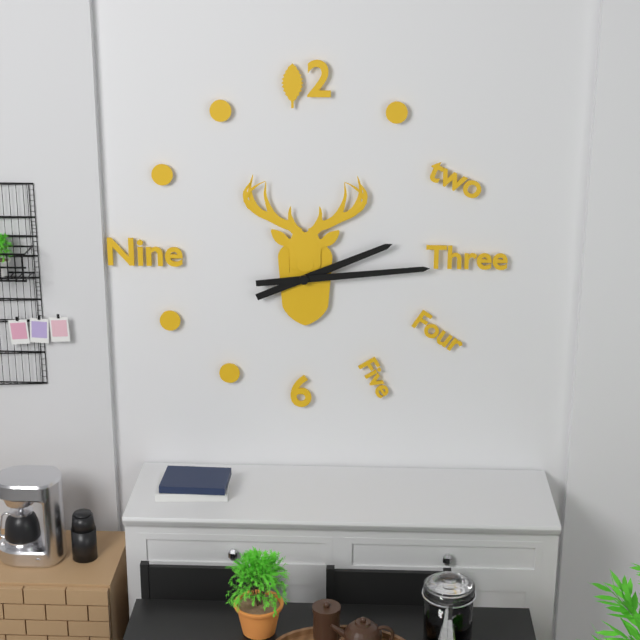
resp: 2h14
